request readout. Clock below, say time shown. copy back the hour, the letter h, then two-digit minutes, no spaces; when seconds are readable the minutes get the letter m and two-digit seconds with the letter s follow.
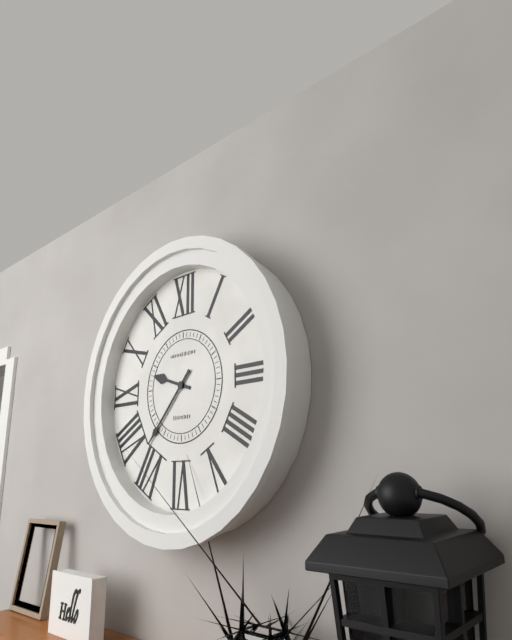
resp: 9h37
